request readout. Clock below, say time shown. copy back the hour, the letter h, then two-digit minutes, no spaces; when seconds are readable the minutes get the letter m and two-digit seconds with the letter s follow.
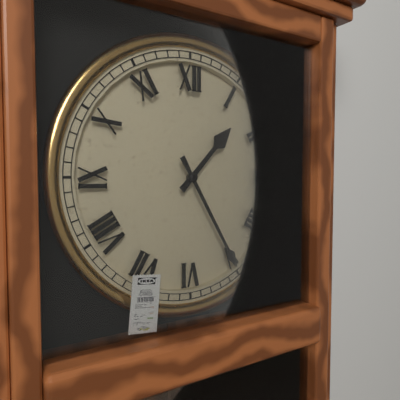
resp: 1h25
